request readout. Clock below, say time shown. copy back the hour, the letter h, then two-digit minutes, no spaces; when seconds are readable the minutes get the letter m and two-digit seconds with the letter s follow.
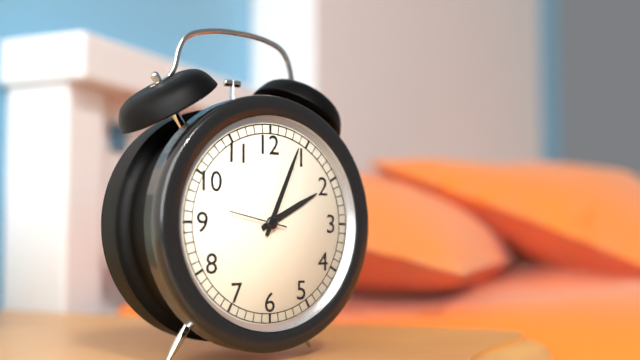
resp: 2h04m47s
